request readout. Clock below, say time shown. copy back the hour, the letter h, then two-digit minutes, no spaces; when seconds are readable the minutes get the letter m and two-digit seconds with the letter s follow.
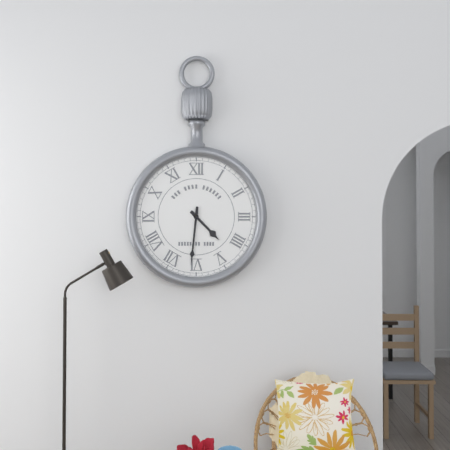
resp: 4h31
